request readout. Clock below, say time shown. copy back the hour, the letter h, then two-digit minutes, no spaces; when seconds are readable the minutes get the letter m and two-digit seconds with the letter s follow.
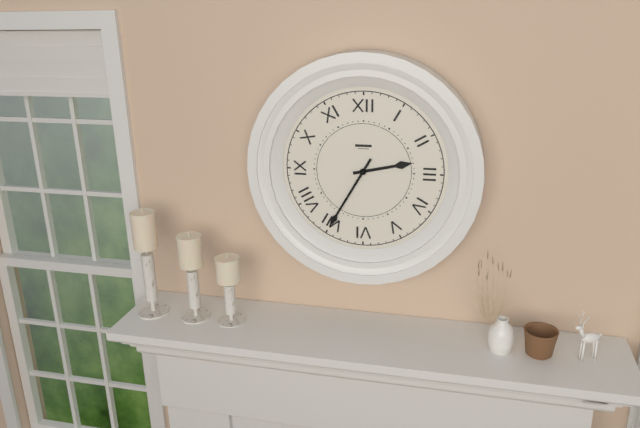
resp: 2h35
